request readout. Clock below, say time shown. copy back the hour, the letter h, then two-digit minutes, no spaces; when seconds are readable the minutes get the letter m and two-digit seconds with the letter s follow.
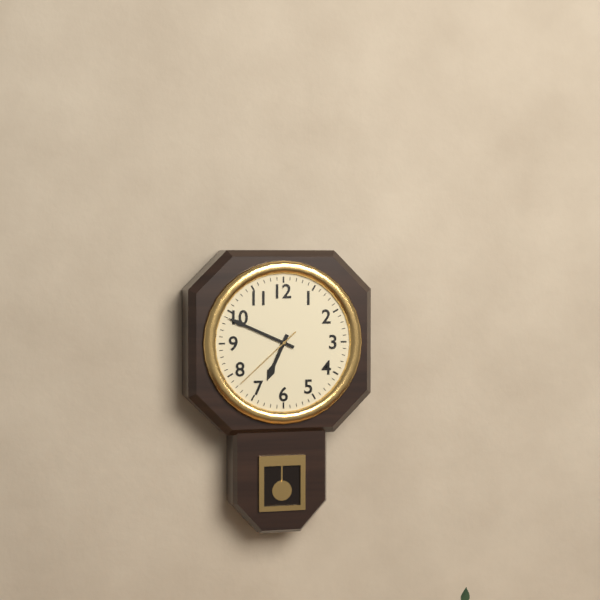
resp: 6h49m38s
